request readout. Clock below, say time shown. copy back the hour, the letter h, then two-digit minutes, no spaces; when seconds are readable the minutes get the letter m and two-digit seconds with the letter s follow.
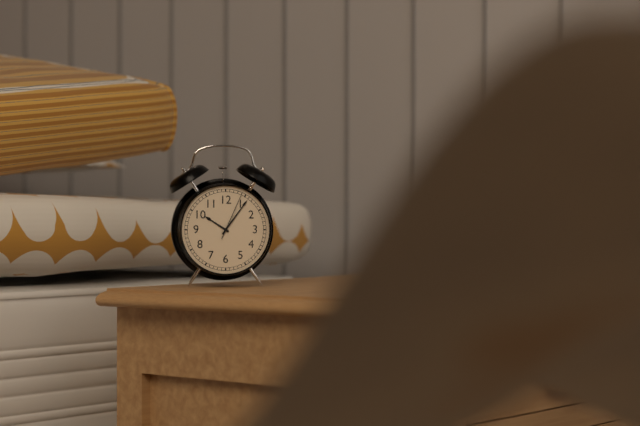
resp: 10h06
